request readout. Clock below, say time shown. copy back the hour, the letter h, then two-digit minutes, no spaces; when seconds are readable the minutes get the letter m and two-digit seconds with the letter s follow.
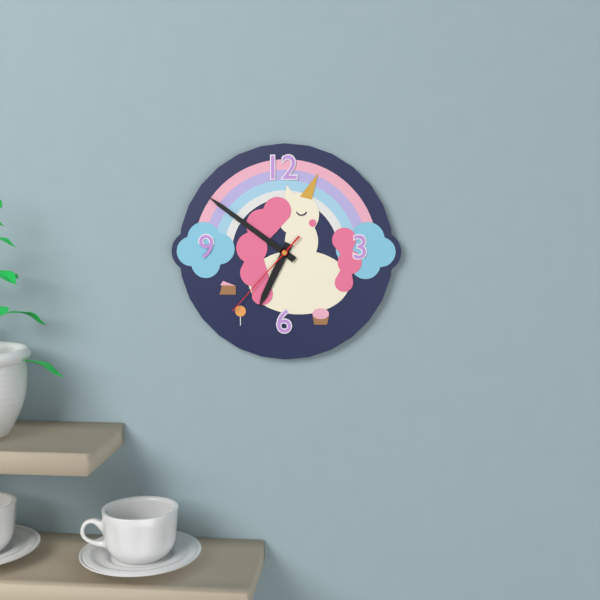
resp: 6h51m37s
